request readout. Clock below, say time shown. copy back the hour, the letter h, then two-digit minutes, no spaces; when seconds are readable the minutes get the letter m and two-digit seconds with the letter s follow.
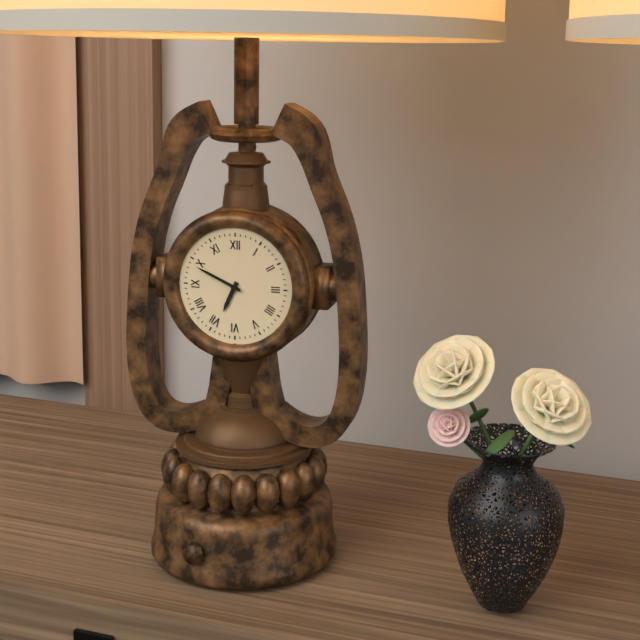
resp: 6h49
